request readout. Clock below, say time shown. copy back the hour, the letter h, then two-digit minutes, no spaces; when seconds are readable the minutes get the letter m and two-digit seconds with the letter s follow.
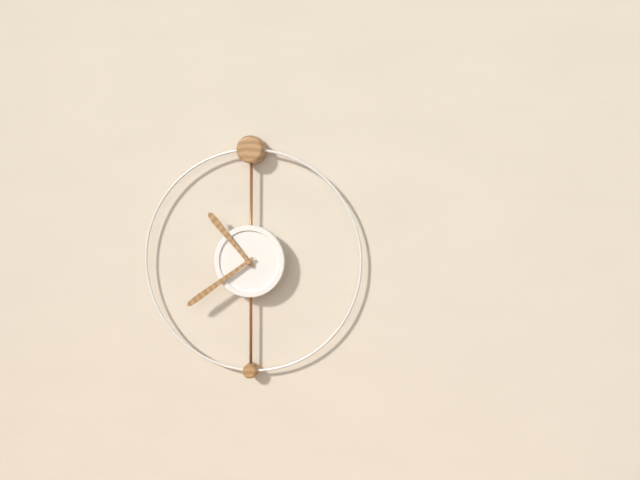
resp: 10h39
